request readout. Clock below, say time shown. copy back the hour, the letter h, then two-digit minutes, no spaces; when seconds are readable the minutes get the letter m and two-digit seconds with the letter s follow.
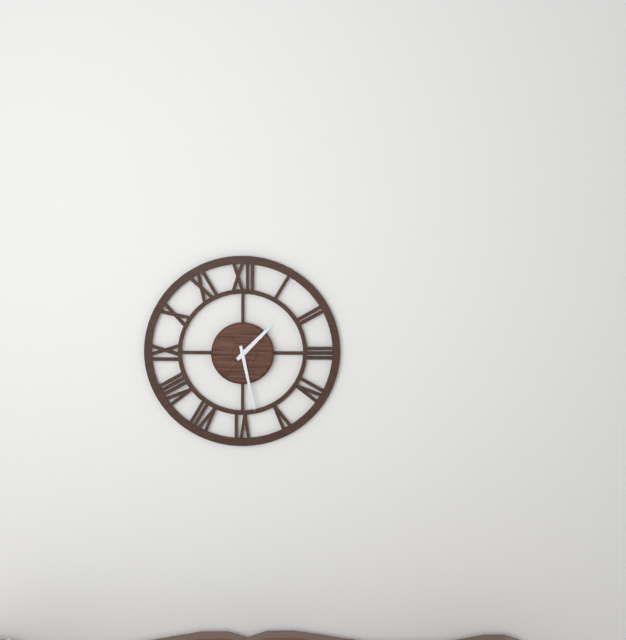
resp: 1h28
